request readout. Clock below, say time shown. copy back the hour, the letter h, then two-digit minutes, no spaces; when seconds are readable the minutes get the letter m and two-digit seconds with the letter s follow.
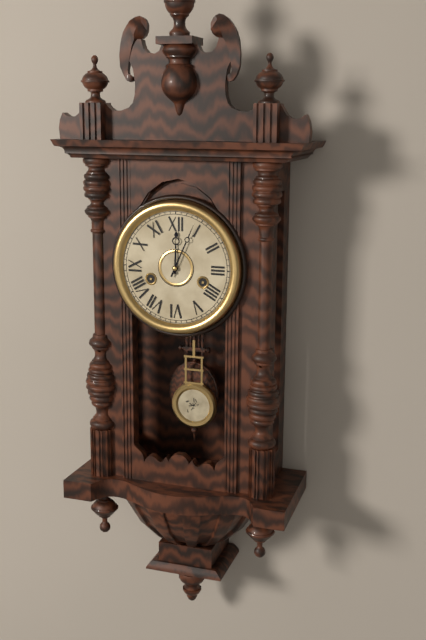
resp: 12h04
